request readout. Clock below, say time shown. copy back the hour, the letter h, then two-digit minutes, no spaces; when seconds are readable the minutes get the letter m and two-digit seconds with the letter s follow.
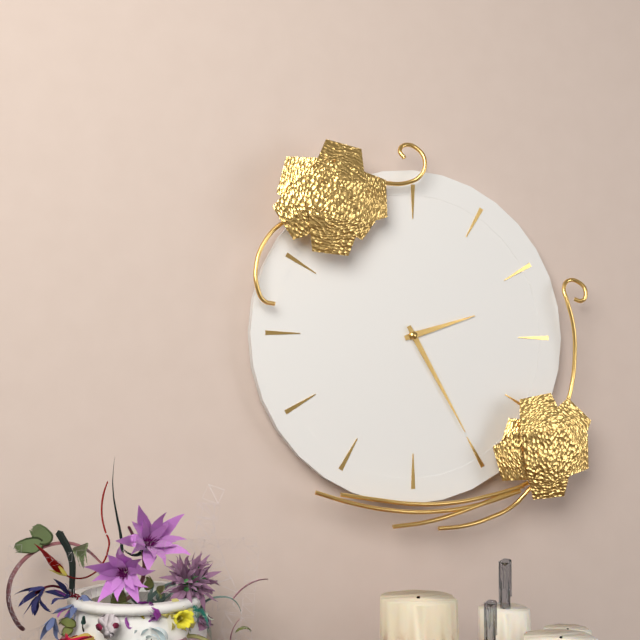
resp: 2h25
